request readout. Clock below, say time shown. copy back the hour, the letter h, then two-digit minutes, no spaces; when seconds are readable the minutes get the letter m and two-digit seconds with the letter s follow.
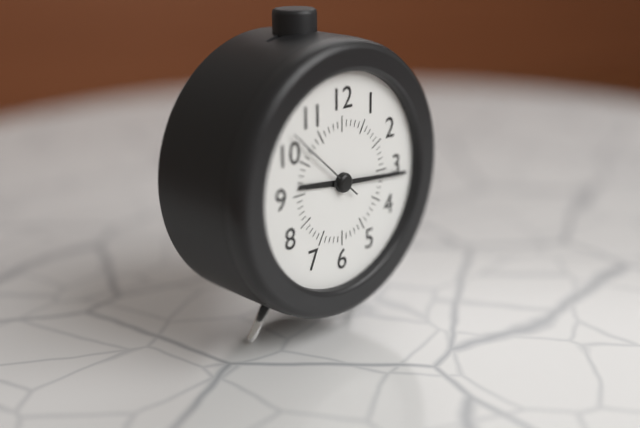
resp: 9h16m52s
